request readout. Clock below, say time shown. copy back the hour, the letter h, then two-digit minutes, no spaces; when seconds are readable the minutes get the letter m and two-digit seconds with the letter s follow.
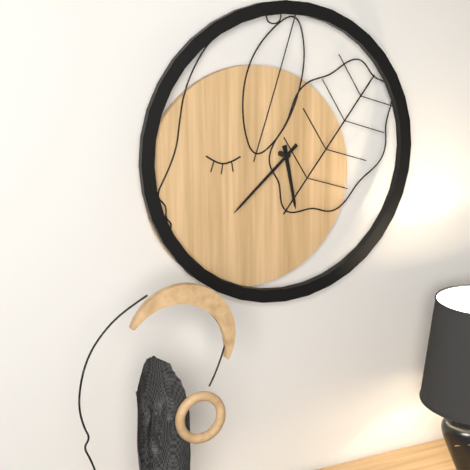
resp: 5h38
